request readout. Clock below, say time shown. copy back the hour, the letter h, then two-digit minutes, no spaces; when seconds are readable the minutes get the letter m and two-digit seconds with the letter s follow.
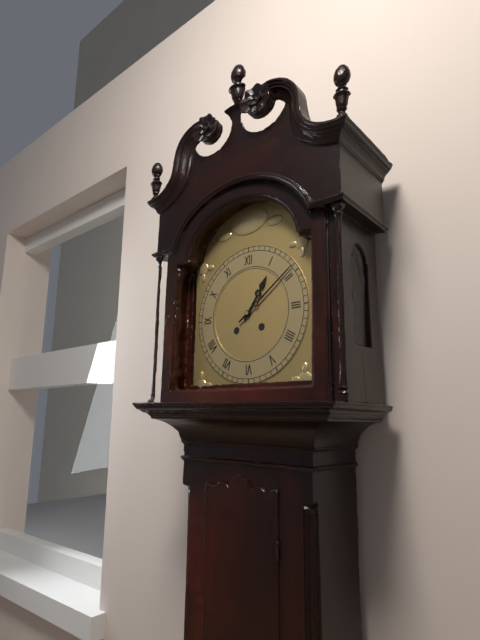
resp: 1h09
